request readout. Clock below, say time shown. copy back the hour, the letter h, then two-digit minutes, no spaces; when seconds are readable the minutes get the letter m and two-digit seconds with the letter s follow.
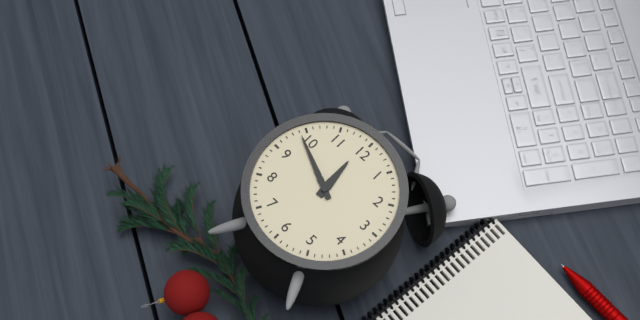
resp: 11h49
